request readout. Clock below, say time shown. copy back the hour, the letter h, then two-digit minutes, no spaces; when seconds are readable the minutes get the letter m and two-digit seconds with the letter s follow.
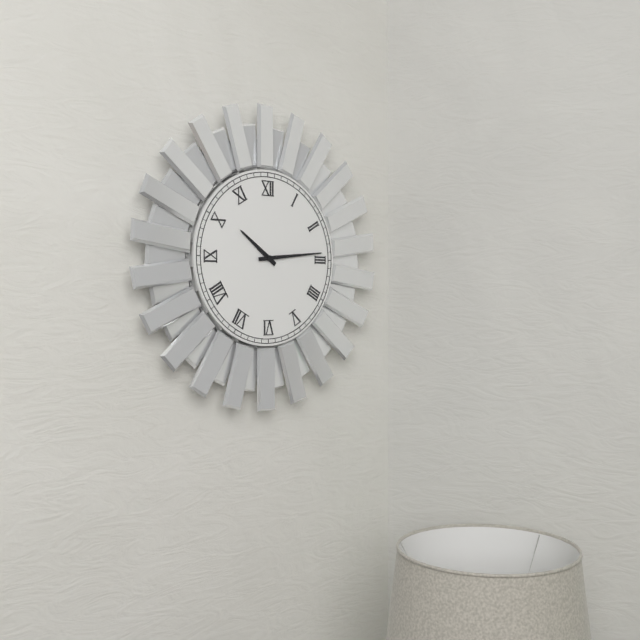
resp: 10h14
